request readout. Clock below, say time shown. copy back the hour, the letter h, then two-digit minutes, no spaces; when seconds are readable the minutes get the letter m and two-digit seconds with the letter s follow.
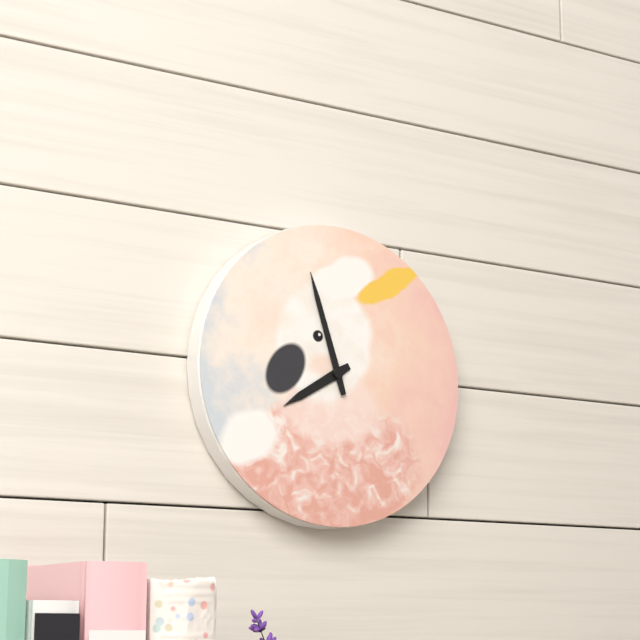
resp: 7h57
